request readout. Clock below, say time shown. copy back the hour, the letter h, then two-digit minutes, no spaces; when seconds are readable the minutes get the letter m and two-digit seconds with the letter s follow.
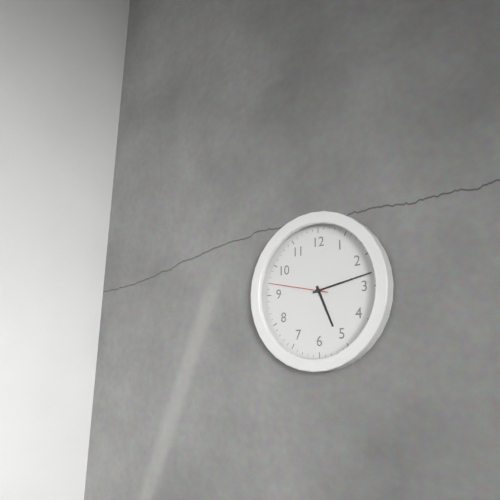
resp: 5h13m47s
